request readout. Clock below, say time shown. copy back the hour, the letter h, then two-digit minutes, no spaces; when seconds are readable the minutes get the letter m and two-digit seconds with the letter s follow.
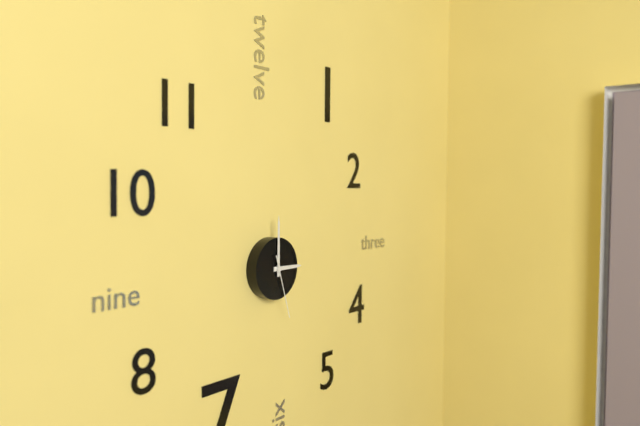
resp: 3h00m27s
